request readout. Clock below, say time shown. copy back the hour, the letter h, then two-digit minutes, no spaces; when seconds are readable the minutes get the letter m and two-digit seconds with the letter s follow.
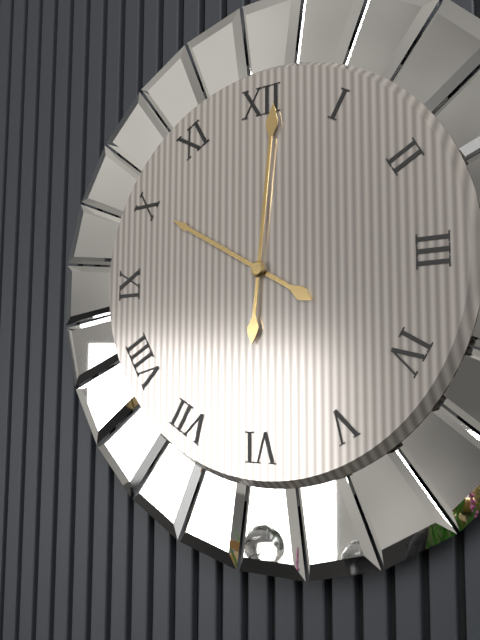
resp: 10h01
